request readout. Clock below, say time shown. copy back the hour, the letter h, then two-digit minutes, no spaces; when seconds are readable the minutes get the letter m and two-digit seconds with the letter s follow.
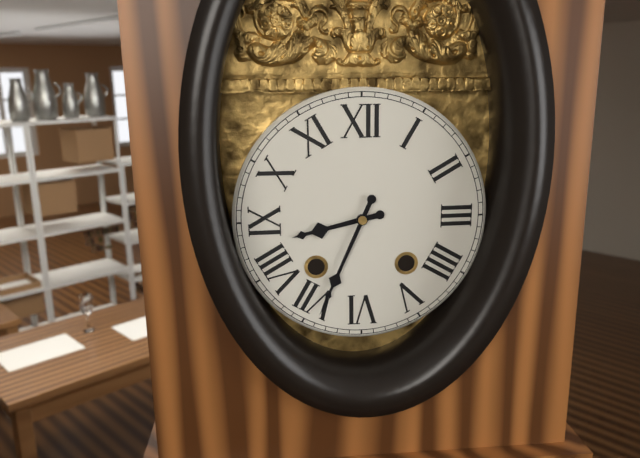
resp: 8h34
